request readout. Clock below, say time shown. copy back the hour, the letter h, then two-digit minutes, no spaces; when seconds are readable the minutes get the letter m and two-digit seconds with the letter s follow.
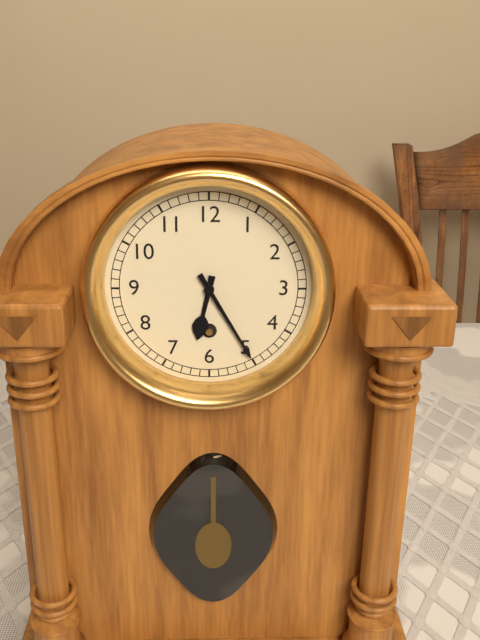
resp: 6h25
